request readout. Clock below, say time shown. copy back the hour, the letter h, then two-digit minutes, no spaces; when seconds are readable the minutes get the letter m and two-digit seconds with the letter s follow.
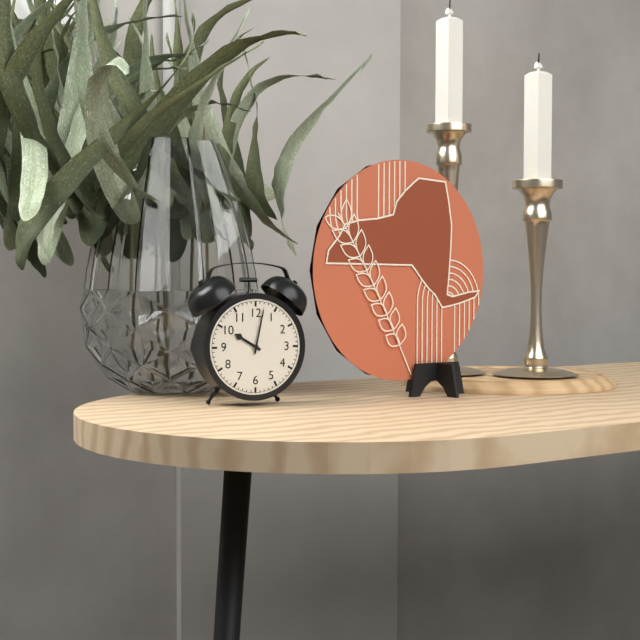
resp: 10h02
